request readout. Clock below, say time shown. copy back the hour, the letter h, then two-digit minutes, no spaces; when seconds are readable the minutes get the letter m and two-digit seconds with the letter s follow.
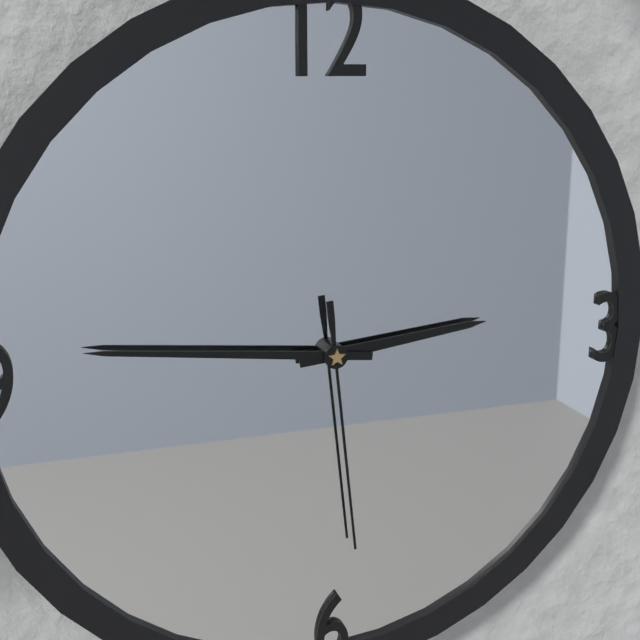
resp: 2h46m29s
